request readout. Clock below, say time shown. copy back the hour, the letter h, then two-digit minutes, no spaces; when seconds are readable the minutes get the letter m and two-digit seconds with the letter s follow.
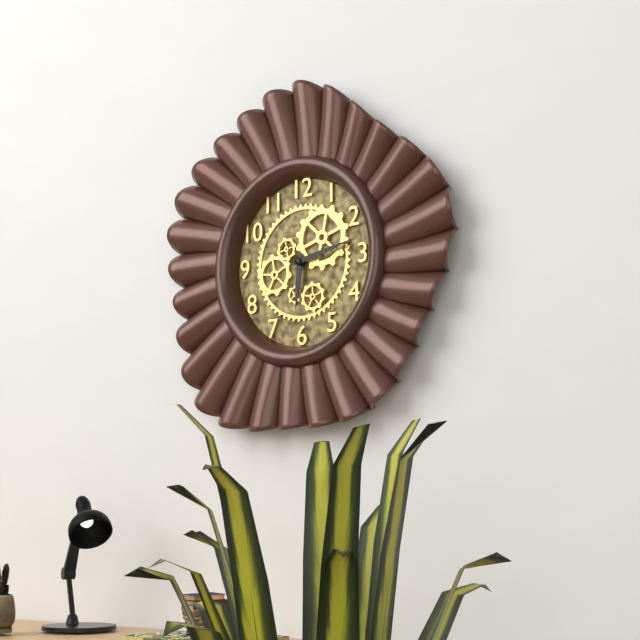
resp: 6h13
